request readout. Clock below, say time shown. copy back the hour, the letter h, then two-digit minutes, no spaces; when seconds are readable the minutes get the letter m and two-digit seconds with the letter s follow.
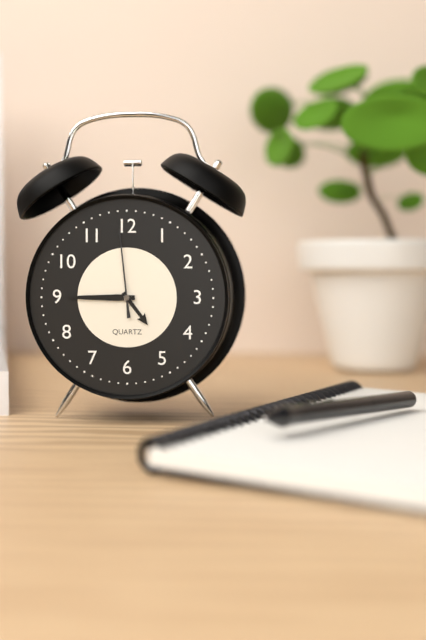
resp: 4h45m59s
